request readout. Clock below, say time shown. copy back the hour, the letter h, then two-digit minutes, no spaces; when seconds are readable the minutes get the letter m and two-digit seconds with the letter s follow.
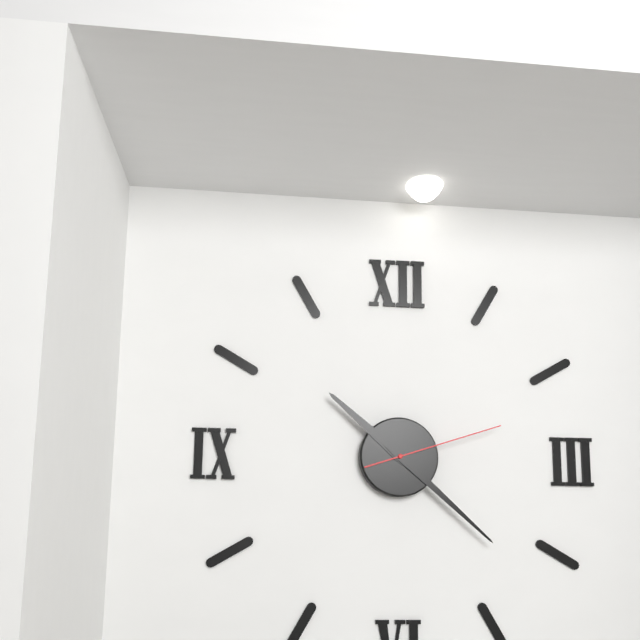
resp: 10h22m12s
